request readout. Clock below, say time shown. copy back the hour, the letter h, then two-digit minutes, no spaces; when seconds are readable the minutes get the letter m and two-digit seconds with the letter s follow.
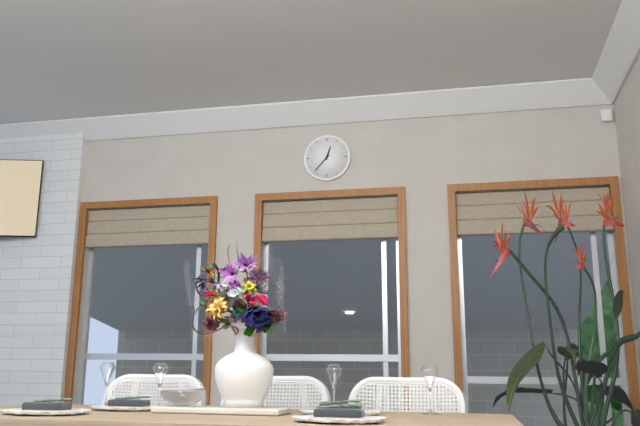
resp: 12h37
